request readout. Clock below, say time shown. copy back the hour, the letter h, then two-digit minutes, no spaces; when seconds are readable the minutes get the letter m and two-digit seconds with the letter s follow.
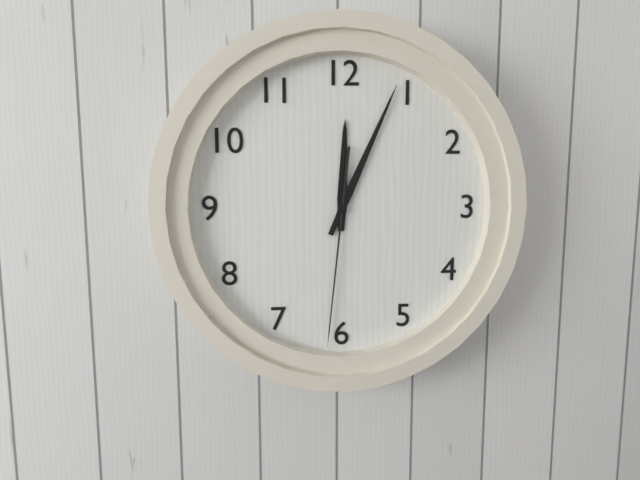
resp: 12h04m31s
